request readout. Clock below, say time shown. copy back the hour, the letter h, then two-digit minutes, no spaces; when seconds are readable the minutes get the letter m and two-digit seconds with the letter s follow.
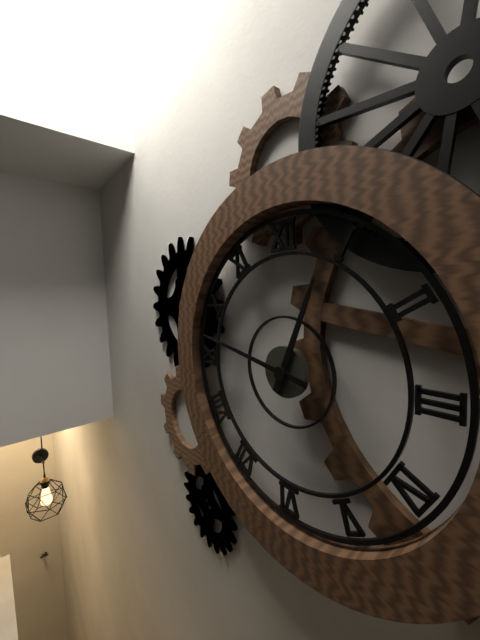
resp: 12h47
